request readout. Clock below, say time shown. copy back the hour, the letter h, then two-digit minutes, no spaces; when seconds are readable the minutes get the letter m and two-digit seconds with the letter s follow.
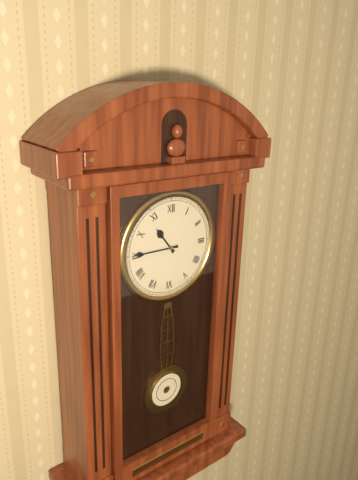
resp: 10h45
